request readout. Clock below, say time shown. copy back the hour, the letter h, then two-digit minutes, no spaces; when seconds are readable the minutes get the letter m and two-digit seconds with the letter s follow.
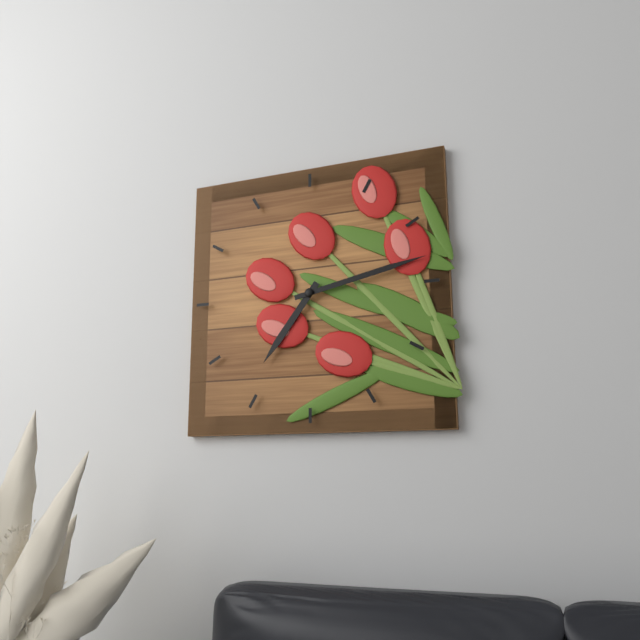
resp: 7h13
